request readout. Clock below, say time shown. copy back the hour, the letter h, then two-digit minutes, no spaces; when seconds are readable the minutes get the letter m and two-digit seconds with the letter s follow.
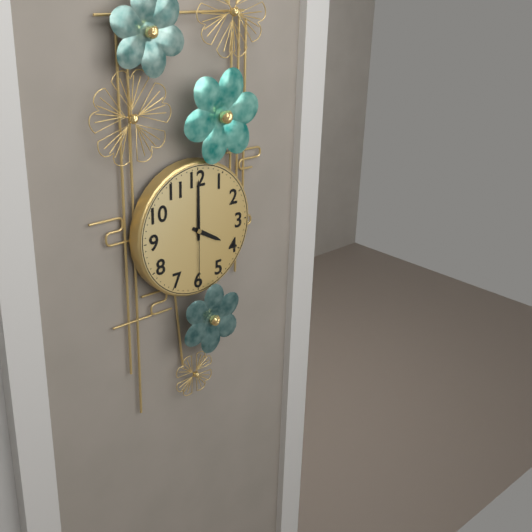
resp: 4h00m30s
